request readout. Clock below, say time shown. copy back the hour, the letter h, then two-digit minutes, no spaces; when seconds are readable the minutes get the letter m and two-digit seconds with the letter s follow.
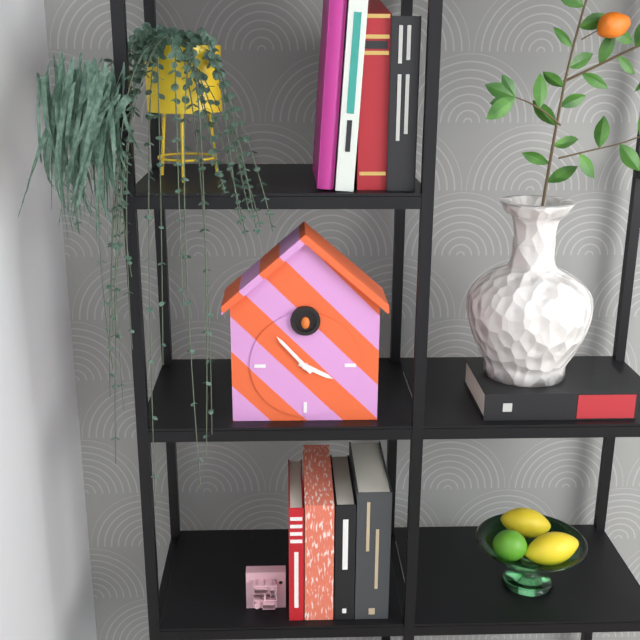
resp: 3h53
